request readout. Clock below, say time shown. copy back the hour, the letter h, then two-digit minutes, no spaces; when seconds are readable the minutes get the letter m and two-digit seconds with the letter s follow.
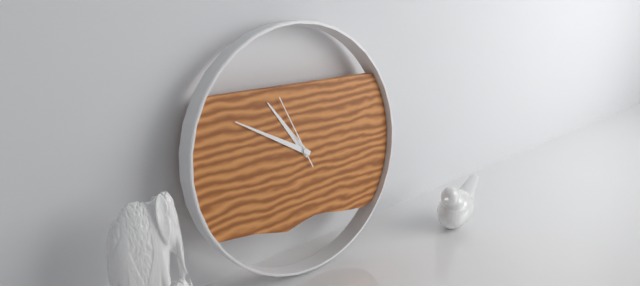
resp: 10h50m56s
